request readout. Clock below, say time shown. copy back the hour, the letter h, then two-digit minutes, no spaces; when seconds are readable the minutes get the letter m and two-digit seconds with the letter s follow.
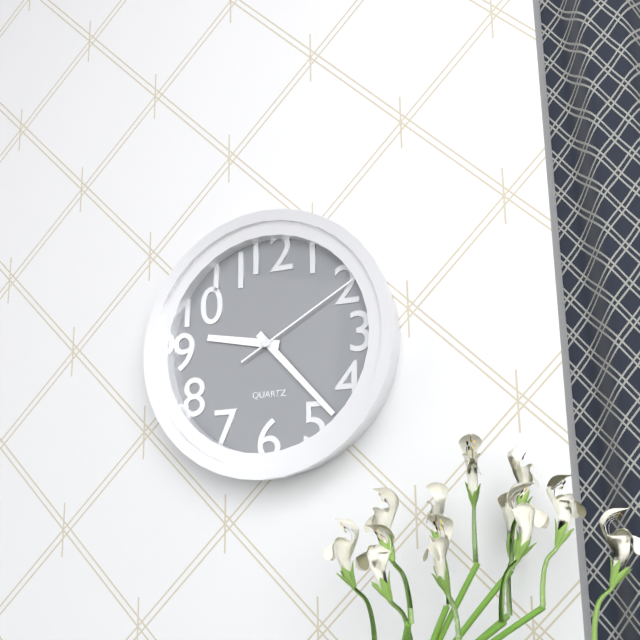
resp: 9h23m10s
